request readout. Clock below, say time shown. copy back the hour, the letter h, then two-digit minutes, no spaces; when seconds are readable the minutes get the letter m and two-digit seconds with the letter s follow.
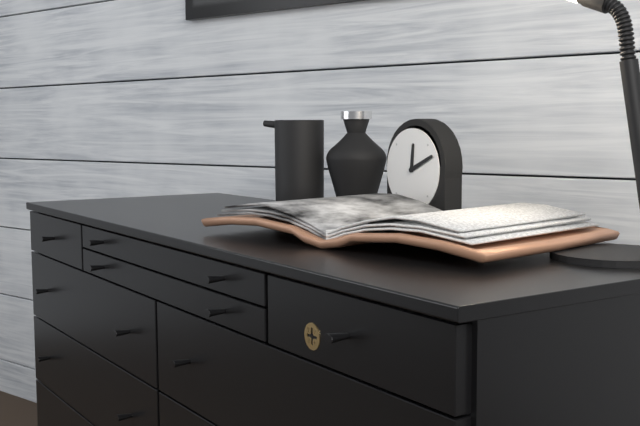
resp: 12h11
